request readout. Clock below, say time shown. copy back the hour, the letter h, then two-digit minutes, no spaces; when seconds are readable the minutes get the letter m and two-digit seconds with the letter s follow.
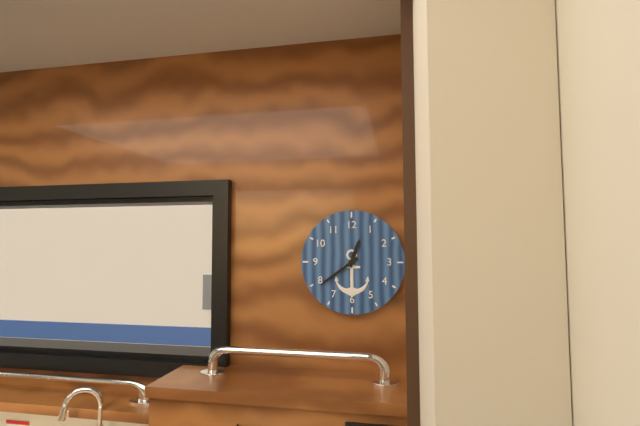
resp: 12h39
